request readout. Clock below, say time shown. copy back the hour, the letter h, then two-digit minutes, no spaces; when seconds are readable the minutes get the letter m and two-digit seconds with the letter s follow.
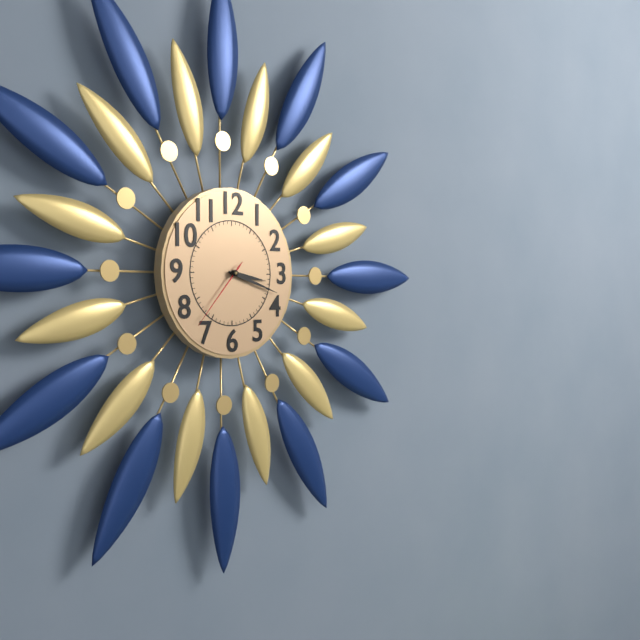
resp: 3h18m37s
